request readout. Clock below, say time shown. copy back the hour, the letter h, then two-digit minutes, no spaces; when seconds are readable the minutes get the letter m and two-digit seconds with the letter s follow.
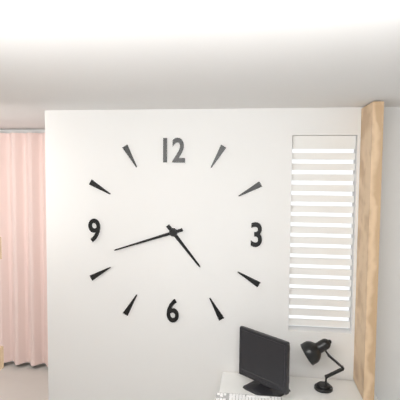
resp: 4h42
